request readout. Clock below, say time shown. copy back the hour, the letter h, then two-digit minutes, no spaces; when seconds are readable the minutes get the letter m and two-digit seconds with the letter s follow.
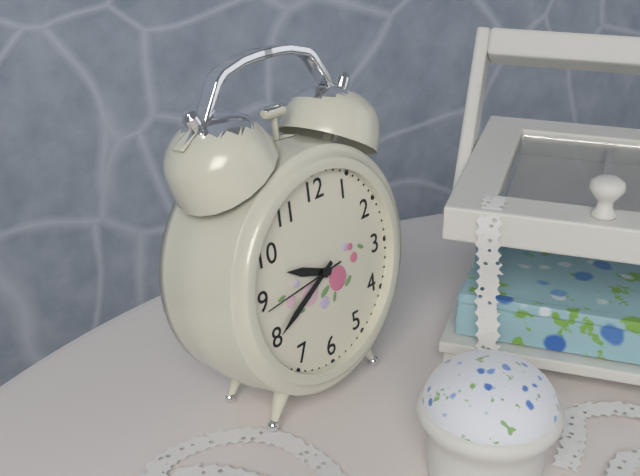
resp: 9h40m44s
